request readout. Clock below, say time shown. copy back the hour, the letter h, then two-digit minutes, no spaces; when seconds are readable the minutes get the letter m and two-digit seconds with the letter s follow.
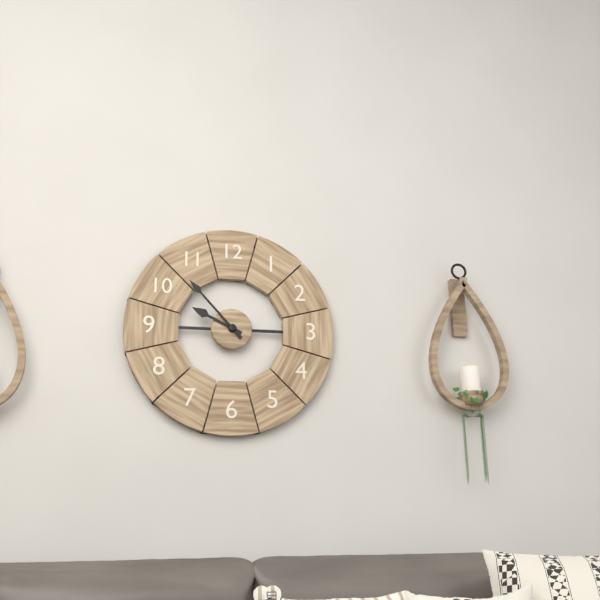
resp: 9h53
